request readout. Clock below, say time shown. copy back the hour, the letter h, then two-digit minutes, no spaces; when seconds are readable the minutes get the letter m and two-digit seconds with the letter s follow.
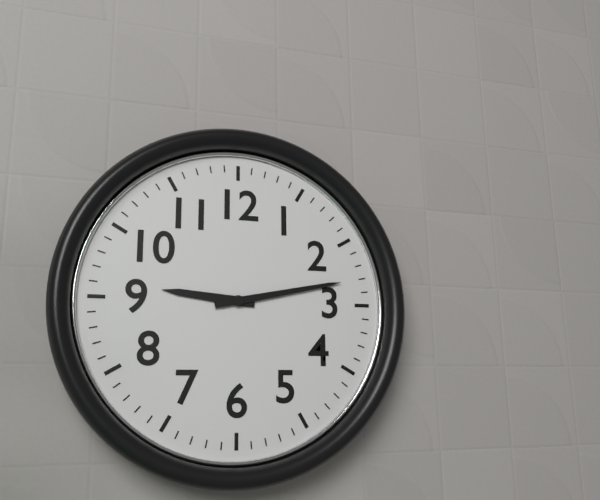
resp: 9h13
